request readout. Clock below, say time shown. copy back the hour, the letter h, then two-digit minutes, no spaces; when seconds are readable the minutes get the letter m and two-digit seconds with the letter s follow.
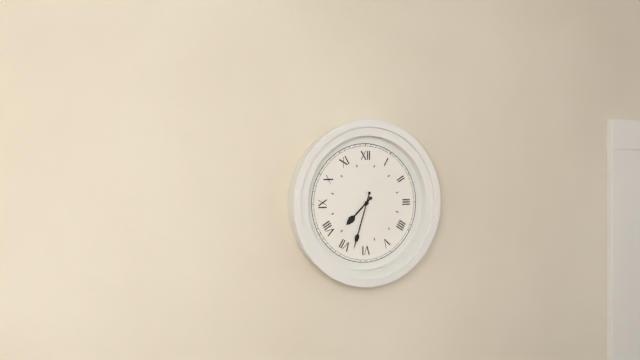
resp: 7h33
